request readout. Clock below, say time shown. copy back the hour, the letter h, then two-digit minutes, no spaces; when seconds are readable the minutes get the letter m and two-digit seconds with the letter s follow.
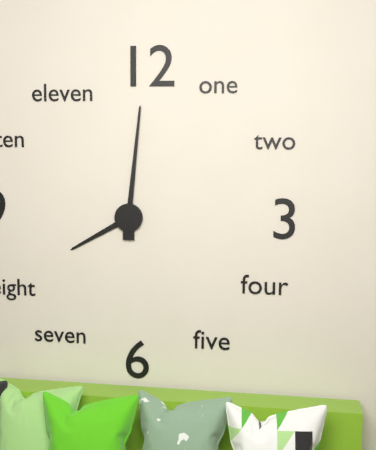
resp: 8h01
